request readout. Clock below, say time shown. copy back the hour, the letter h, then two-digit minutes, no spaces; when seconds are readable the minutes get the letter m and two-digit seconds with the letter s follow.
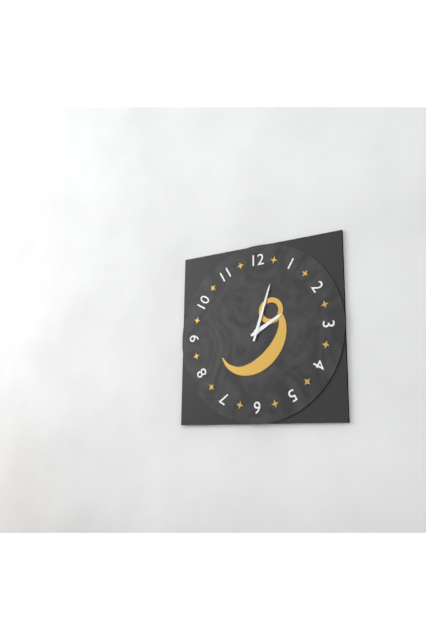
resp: 2h03
